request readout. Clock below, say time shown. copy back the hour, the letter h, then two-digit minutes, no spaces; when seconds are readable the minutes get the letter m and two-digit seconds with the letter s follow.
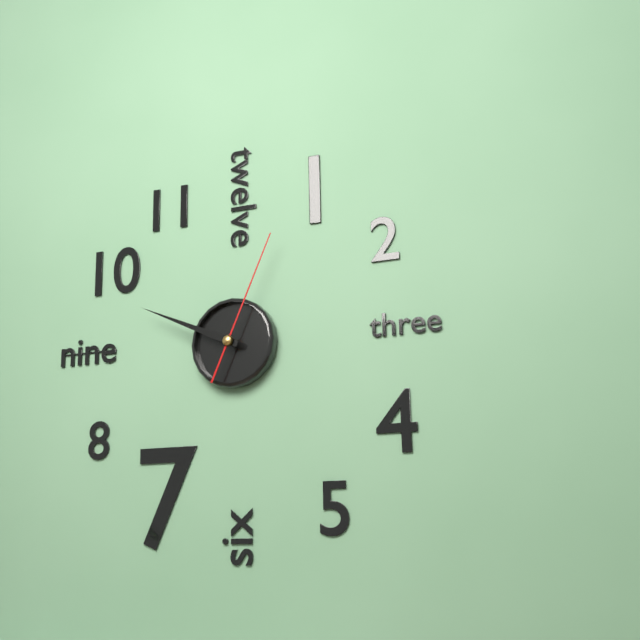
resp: 9h49m04s
